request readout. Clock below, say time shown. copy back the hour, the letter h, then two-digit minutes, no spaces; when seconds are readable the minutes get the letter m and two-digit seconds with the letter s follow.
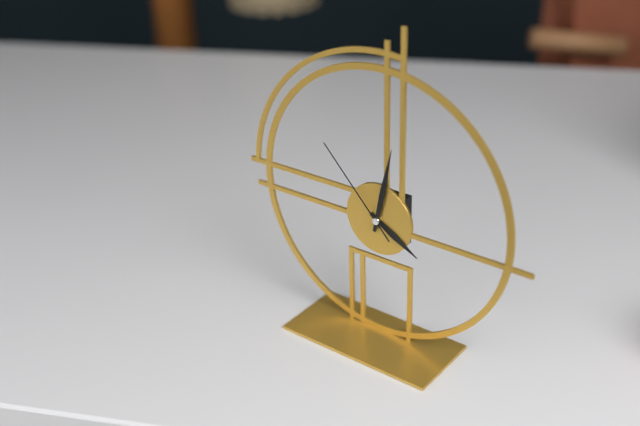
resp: 4h02m53s
